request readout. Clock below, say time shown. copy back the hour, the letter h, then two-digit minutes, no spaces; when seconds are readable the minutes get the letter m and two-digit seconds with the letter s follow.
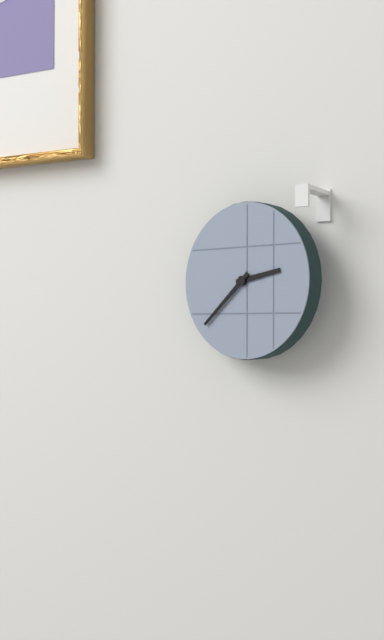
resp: 2h38
